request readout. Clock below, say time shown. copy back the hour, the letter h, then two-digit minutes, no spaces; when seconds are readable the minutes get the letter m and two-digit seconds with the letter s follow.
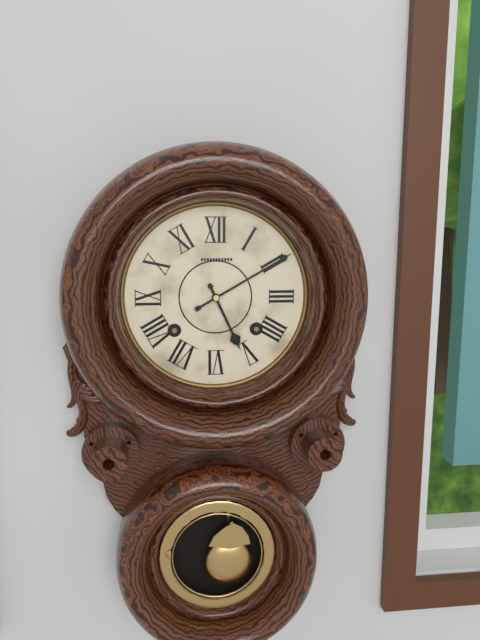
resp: 5h10
